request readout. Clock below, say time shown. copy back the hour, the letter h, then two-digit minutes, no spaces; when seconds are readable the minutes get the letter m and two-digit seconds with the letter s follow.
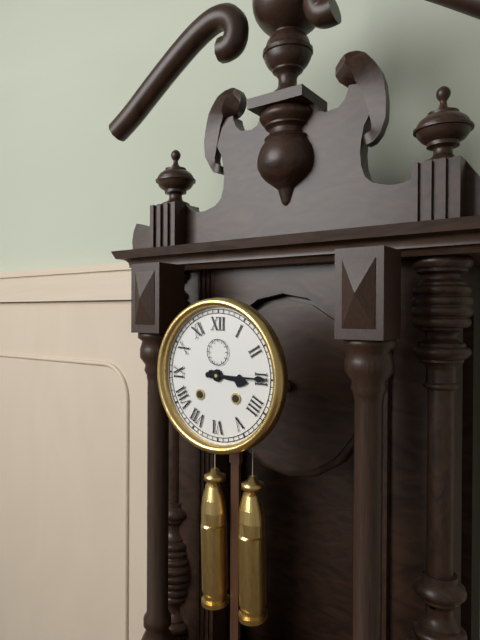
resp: 3h15
